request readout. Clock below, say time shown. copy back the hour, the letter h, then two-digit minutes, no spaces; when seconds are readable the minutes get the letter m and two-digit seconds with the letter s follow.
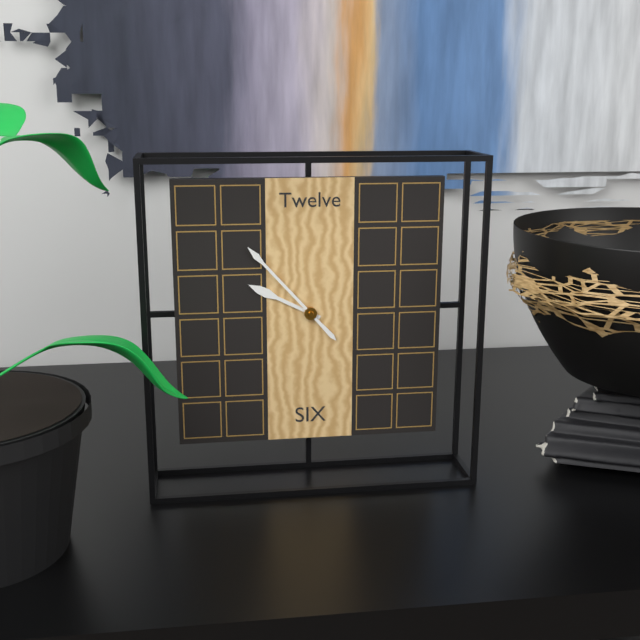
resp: 9h53
